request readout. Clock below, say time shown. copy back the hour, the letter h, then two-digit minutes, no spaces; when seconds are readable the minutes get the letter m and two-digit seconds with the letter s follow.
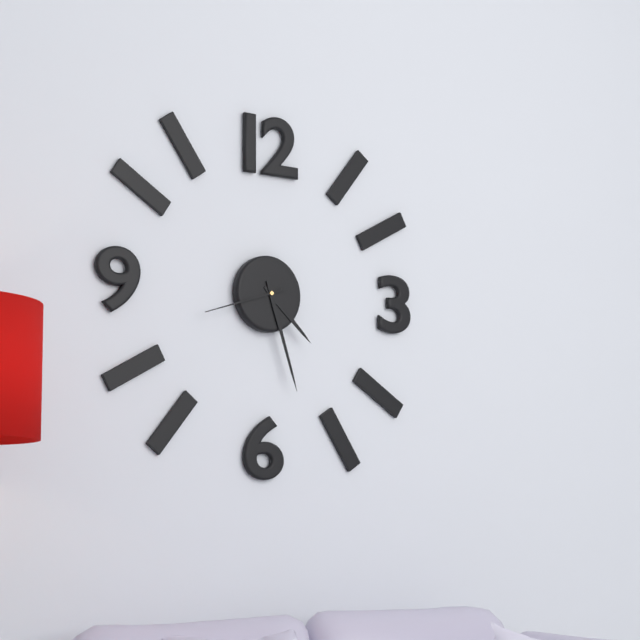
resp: 4h27m42s
